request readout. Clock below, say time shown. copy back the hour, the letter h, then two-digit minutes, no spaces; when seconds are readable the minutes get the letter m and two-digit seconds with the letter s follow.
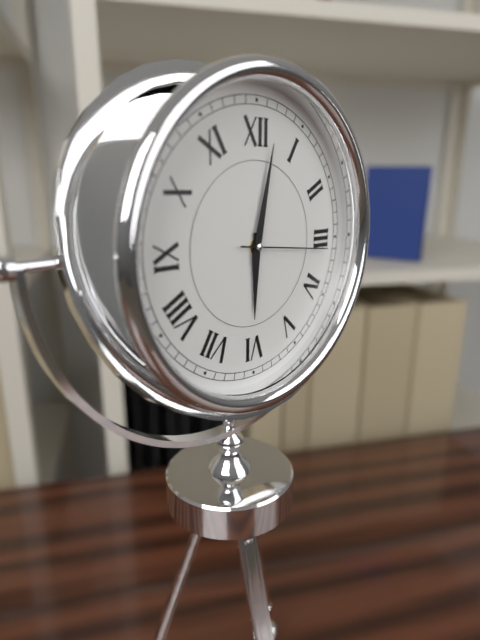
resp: 6h02m16s
